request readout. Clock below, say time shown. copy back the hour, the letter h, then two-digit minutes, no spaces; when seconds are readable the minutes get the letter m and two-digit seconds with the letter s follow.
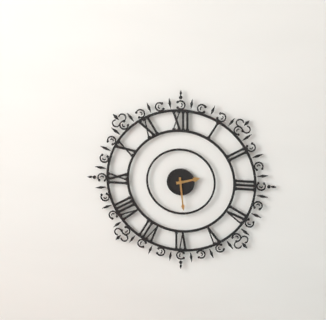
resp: 2h29
